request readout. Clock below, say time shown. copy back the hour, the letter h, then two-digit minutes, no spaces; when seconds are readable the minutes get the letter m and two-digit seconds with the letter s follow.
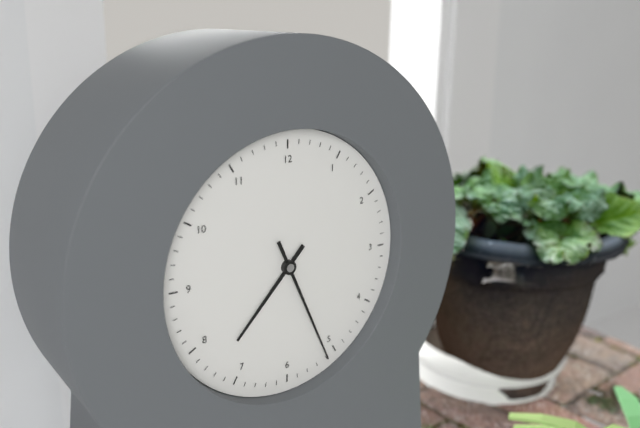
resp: 7h26
